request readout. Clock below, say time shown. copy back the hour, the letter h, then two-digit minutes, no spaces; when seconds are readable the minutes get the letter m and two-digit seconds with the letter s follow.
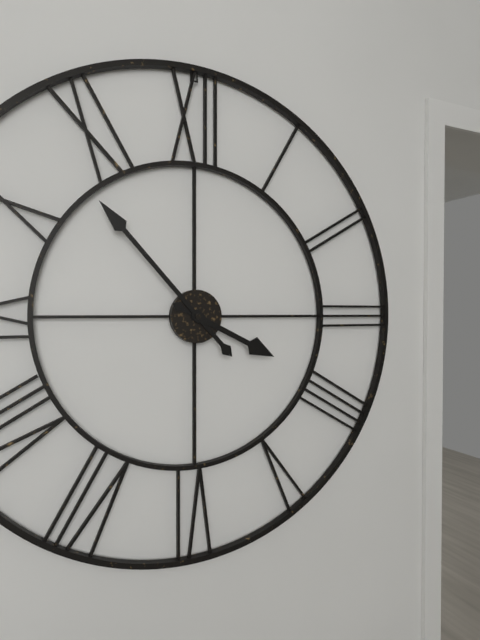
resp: 3h53
